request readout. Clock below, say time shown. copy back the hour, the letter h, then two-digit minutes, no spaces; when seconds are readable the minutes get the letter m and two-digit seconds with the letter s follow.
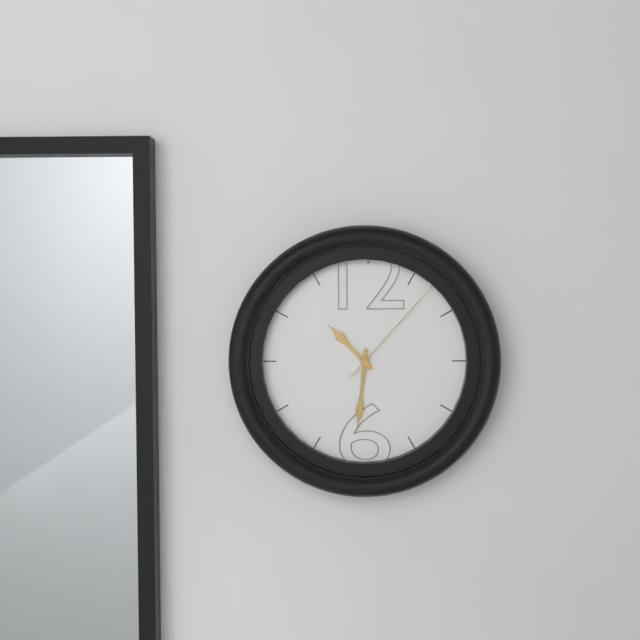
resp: 10h31m07s
